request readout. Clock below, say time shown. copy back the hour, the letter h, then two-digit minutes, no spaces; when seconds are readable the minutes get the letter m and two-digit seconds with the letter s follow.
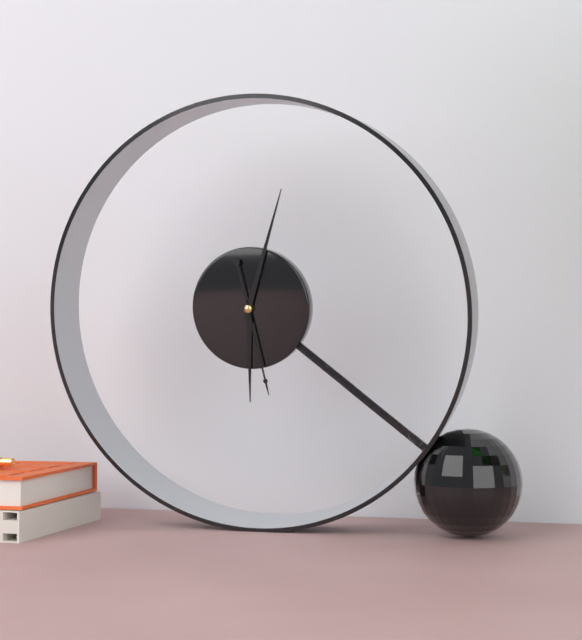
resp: 6h03m28s
